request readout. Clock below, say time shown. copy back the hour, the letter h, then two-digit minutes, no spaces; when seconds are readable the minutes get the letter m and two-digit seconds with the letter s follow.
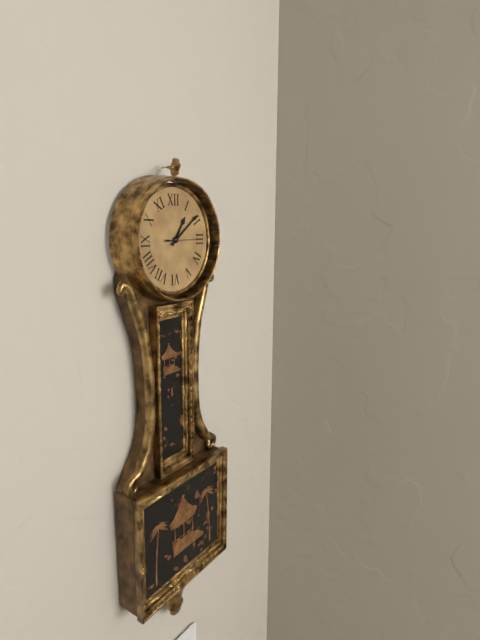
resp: 1h09
